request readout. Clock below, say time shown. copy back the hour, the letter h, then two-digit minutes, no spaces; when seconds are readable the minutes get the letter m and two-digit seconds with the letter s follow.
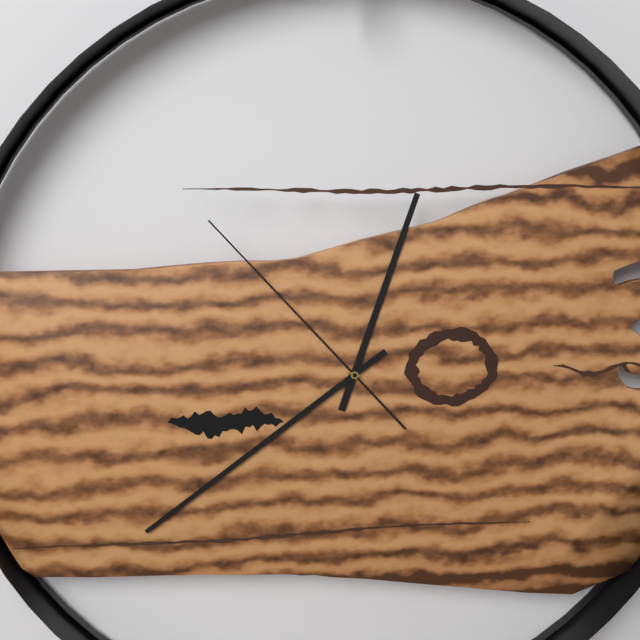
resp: 12h39m53s
